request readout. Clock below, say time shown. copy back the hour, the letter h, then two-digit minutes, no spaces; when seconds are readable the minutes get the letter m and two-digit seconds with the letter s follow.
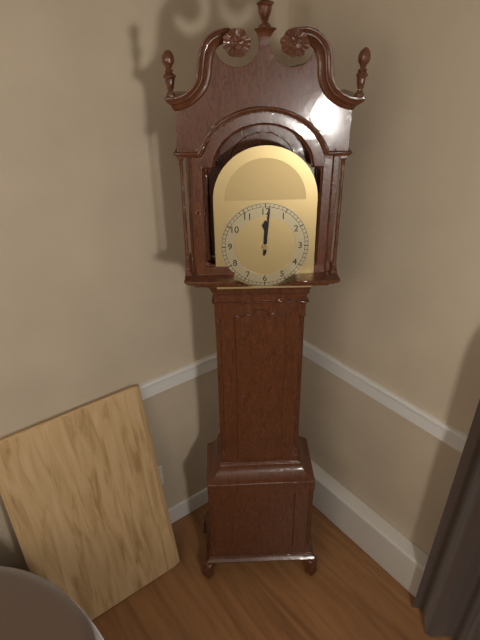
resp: 12h01
